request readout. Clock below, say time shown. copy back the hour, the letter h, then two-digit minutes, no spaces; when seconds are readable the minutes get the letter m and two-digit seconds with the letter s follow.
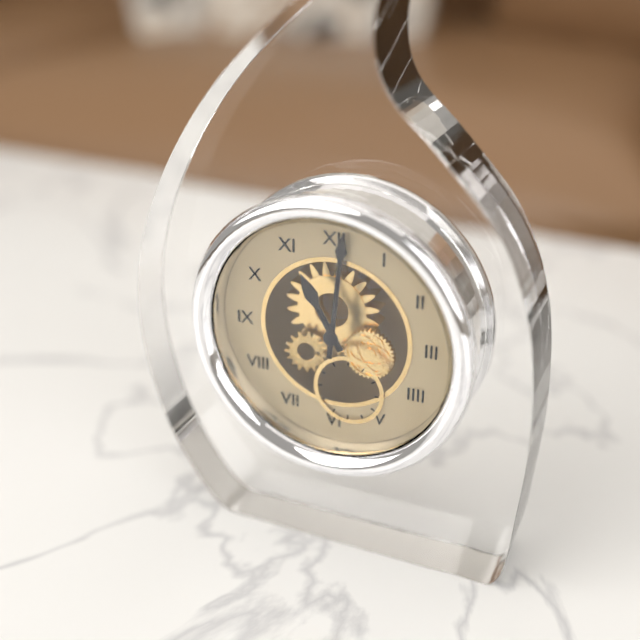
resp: 11h01
